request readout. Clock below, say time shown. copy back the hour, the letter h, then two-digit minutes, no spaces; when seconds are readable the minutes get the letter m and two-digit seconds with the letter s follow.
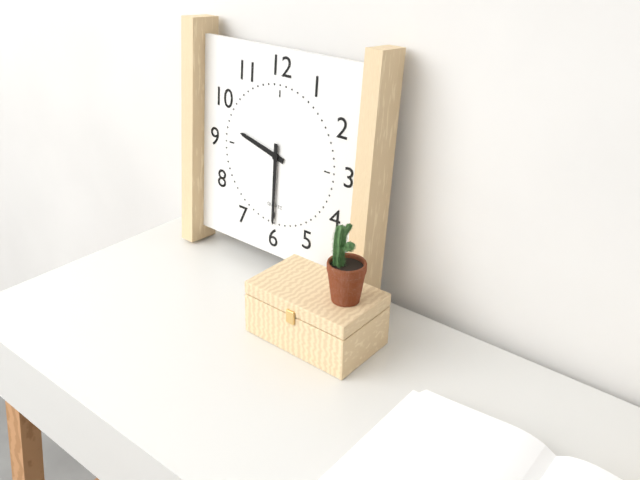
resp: 9h30
